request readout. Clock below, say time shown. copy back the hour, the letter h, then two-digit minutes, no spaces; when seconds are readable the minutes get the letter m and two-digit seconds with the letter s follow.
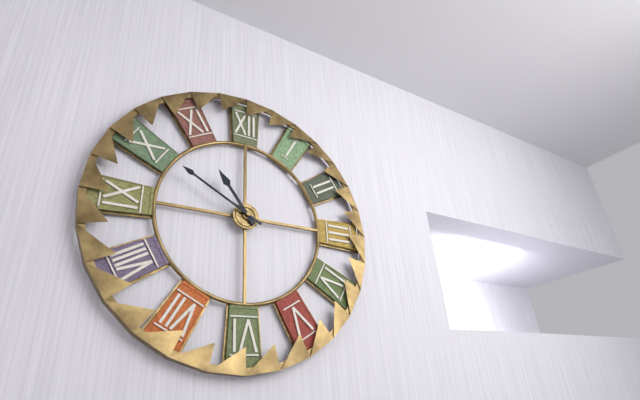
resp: 10h50
